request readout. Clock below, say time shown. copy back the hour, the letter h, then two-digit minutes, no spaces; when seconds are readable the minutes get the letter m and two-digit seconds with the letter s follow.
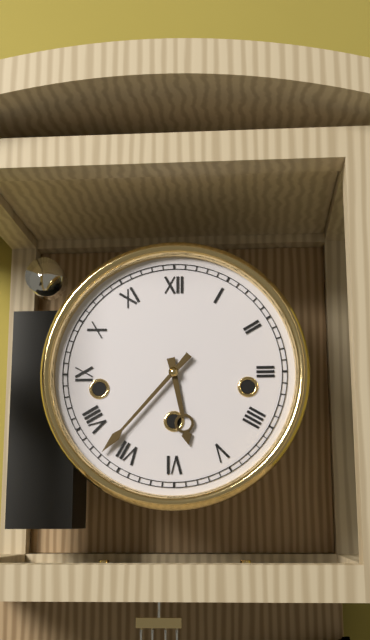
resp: 5h37
